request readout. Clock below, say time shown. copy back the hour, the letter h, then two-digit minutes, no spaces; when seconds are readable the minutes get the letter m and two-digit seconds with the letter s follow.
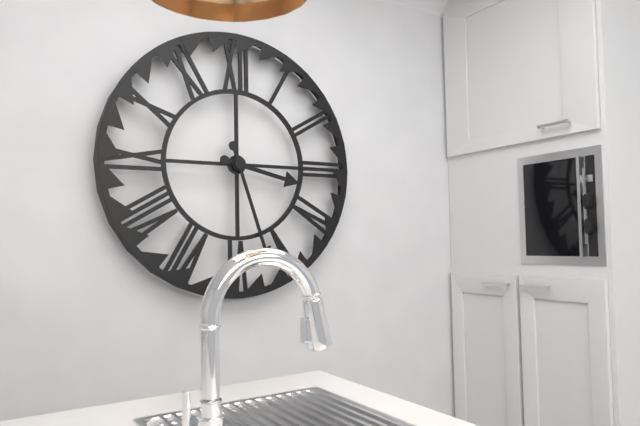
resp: 3h27
